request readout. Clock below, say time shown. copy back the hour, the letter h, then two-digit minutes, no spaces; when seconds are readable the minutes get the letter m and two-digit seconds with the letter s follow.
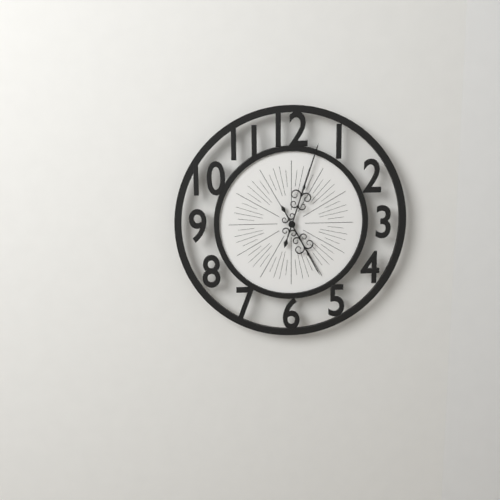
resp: 5h03
